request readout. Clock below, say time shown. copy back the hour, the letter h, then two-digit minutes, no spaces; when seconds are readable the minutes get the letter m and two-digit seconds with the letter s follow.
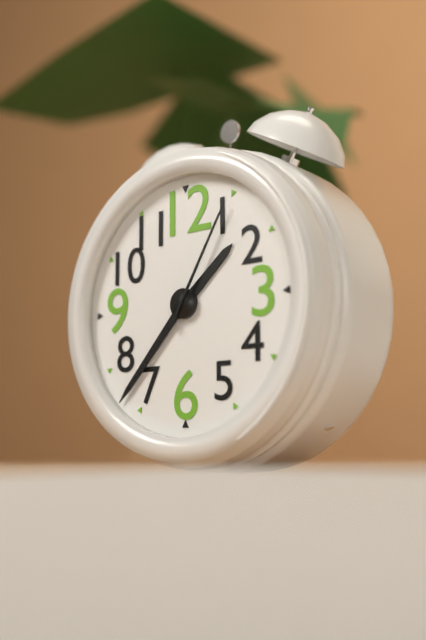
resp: 1h37m05s
